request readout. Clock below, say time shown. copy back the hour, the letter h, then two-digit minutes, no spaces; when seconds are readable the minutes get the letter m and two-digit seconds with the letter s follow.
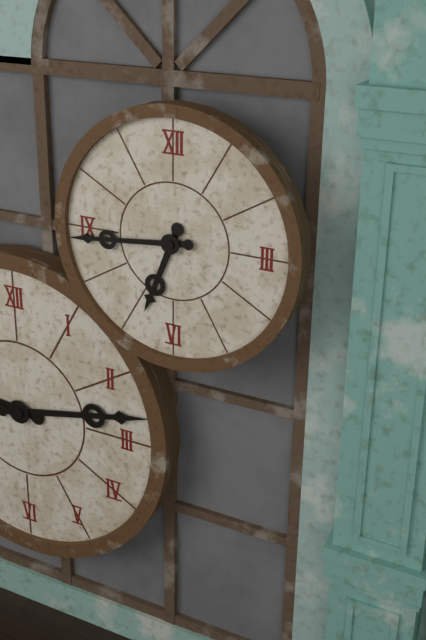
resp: 6h44
